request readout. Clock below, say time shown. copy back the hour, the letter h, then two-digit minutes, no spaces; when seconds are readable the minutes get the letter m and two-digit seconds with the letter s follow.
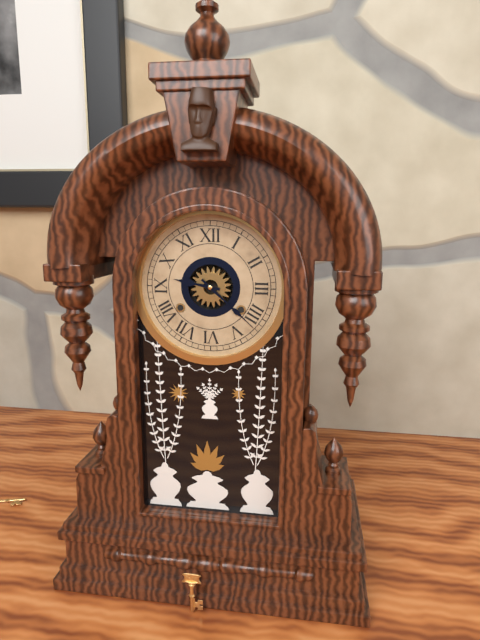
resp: 9h22
